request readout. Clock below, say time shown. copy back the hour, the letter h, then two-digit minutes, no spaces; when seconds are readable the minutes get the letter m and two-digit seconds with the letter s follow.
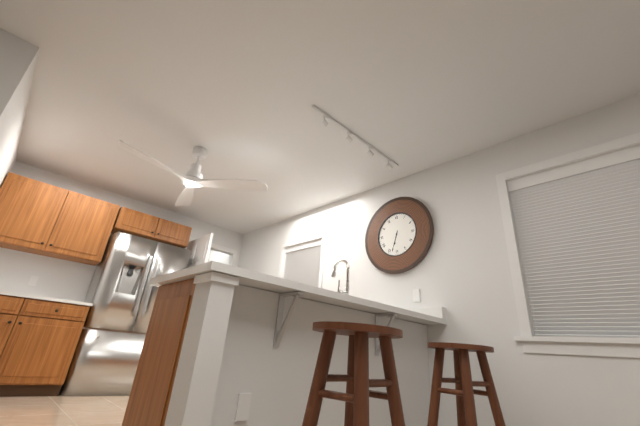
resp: 6h33
